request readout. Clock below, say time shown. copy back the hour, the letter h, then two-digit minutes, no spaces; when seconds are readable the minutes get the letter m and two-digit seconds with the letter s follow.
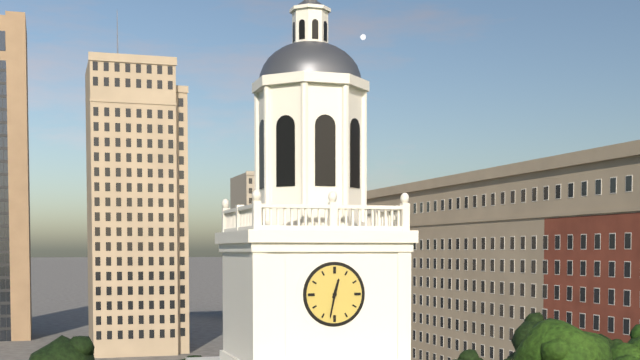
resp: 12h32
